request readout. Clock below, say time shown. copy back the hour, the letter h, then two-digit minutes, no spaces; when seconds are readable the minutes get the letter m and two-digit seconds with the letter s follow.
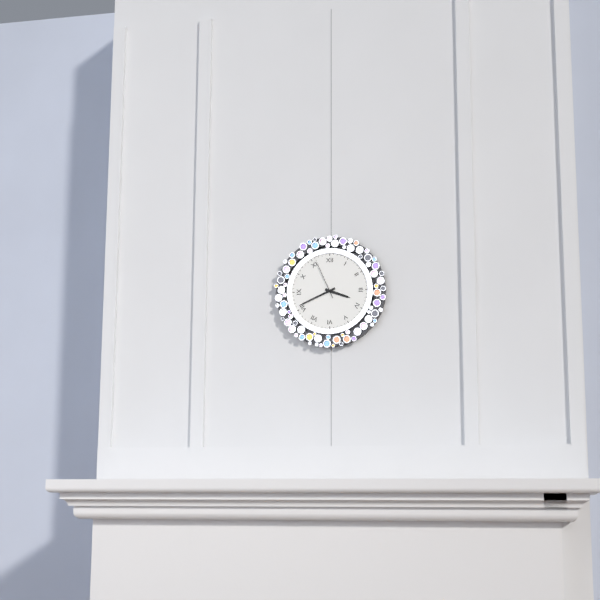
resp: 3h41
